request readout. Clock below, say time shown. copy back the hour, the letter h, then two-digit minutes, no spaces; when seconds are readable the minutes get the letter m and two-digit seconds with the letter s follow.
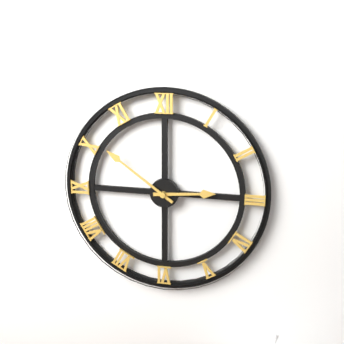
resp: 2h51
